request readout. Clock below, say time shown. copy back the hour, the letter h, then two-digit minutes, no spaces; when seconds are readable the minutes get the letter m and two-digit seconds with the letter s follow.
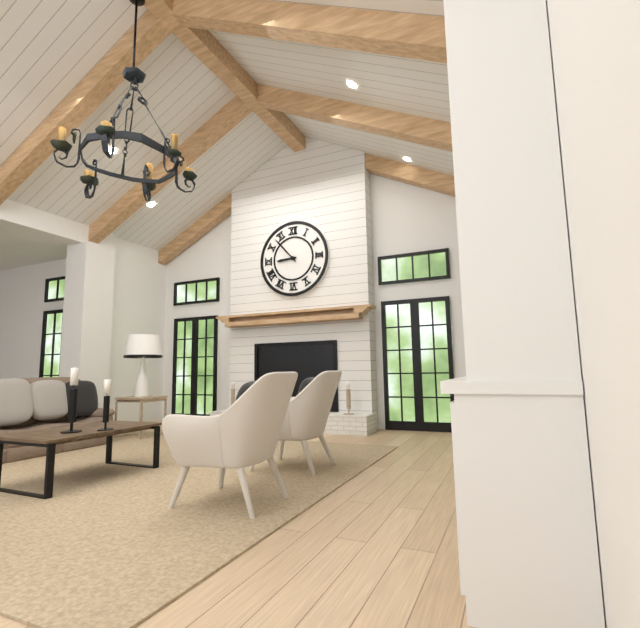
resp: 8h53
